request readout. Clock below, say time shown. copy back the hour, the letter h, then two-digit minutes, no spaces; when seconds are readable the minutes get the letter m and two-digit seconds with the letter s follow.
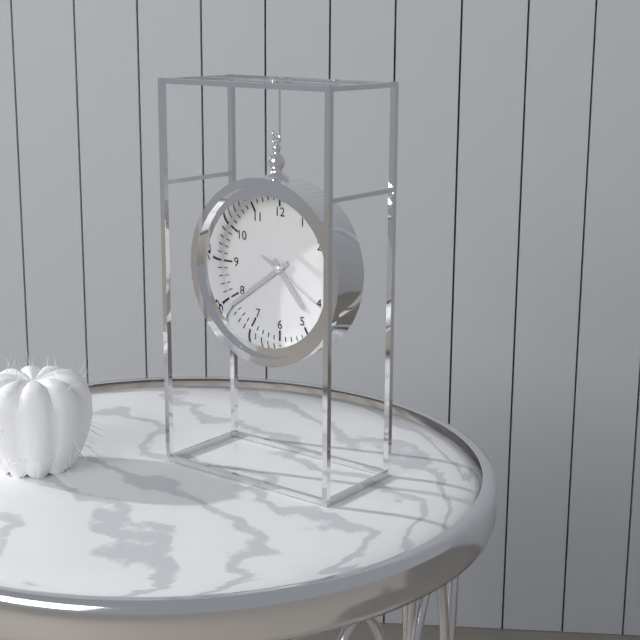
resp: 4h39m20s
